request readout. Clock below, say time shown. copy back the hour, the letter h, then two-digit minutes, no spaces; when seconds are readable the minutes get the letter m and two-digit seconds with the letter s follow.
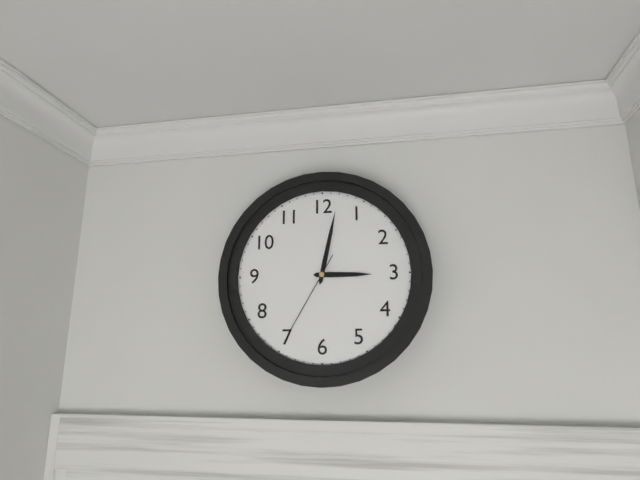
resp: 3h02m35s
